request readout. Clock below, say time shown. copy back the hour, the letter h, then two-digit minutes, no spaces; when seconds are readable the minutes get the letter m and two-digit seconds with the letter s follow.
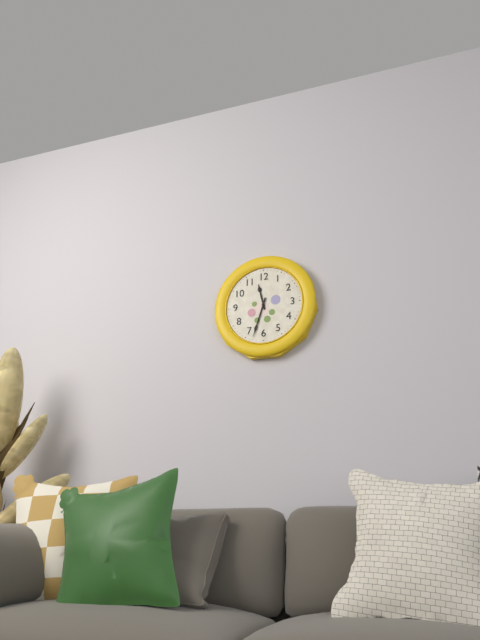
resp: 11h33
